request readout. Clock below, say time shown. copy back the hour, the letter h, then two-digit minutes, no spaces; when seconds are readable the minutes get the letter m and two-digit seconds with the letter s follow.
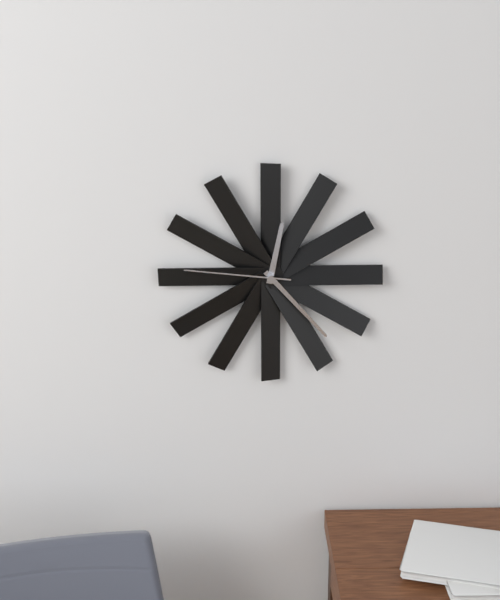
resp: 12h23m46s
